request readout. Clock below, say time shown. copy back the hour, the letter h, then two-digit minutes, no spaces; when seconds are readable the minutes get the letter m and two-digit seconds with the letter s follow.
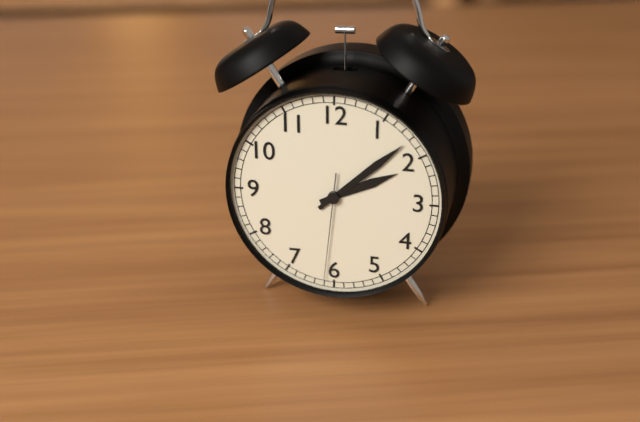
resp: 2h08m31s
